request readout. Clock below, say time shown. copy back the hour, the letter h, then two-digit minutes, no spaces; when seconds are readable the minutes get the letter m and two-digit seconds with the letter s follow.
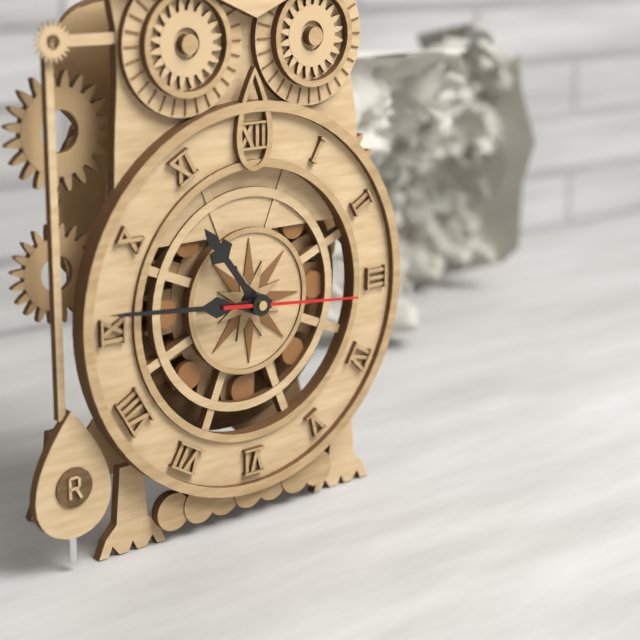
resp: 10h46m16s
